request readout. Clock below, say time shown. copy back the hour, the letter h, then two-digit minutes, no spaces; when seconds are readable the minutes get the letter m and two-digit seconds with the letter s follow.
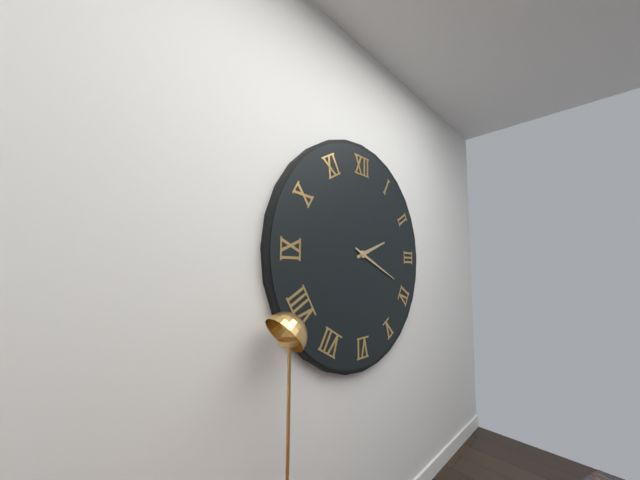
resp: 2h19
